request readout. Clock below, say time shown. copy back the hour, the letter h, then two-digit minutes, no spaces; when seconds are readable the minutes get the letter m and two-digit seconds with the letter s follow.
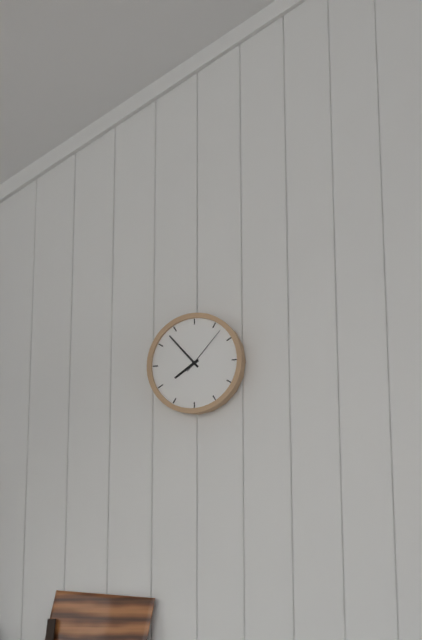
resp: 7h53m07s
